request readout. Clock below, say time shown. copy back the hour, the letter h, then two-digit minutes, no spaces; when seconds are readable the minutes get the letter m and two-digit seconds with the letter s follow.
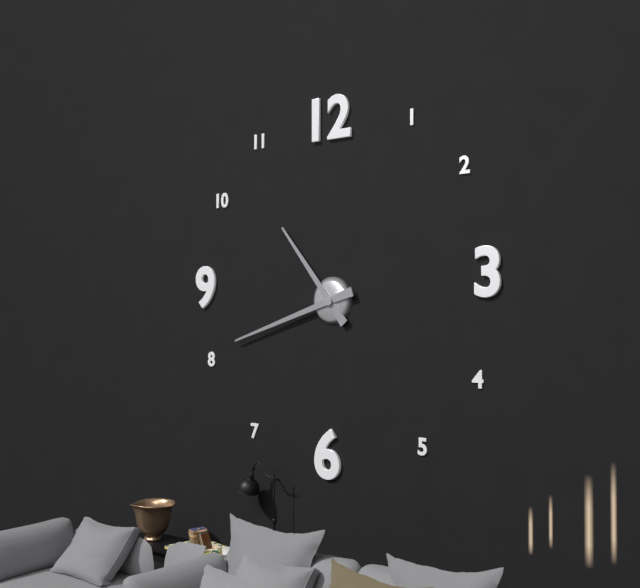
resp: 10h42
